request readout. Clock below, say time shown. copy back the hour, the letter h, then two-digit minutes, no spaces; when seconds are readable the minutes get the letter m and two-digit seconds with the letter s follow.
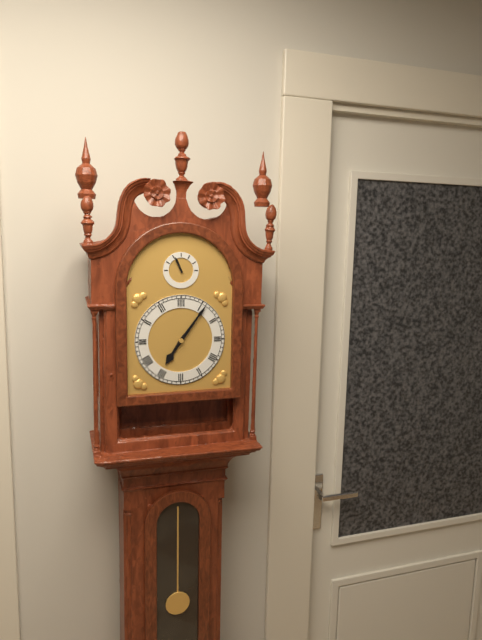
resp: 7h06
